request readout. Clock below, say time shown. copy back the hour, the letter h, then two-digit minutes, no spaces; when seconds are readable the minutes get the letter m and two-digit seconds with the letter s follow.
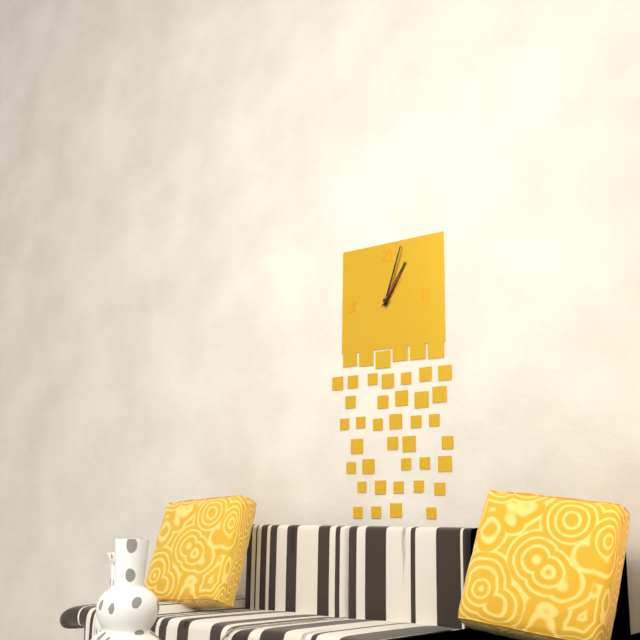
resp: 1h03
